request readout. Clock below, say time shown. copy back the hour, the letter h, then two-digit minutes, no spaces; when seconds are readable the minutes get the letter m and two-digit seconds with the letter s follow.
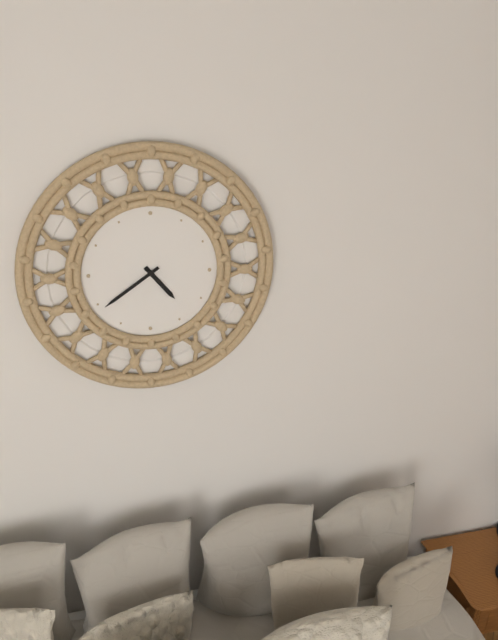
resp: 4h39
